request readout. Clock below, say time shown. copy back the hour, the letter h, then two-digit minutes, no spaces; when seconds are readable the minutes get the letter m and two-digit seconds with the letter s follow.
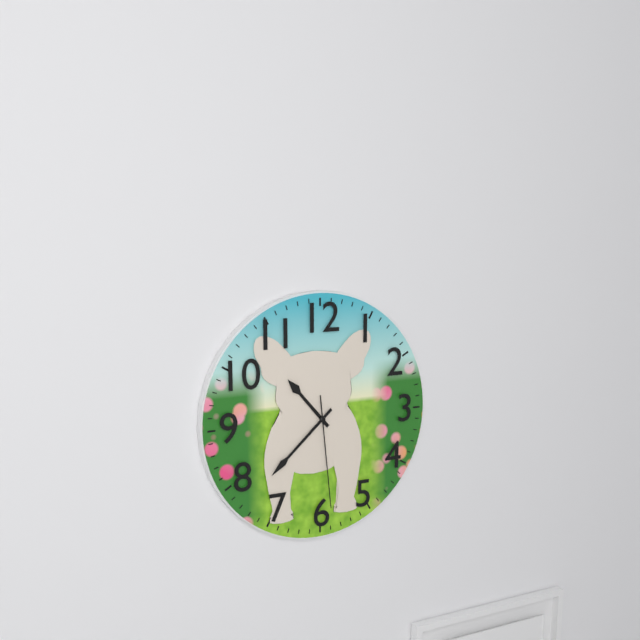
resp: 10h38m29s
